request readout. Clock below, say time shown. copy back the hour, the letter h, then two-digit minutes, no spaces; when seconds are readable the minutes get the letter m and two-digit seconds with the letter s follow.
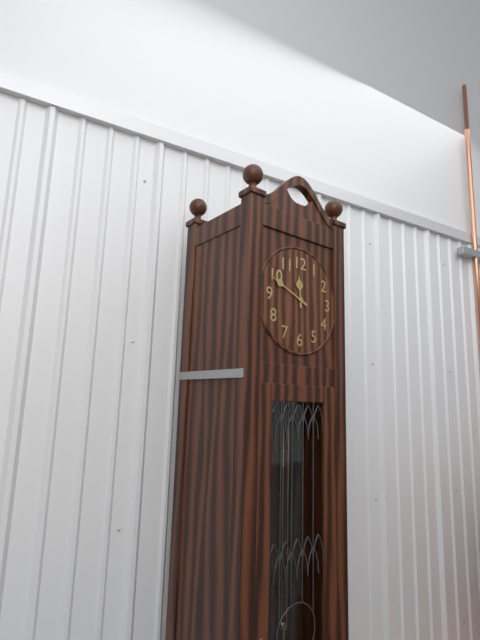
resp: 11h49
